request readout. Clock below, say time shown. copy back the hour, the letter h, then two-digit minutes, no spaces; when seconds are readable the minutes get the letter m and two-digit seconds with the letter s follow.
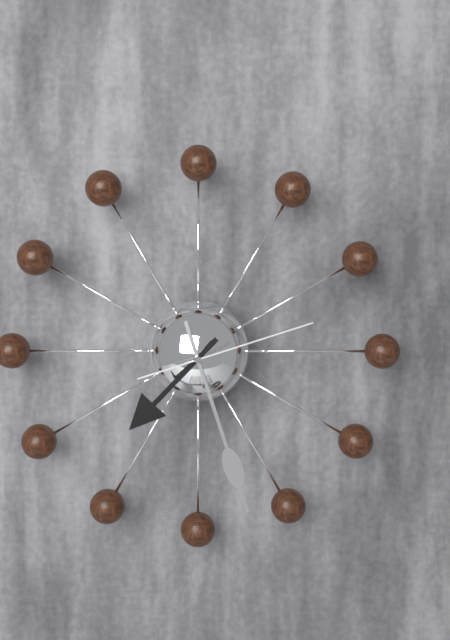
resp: 7h27m12s
